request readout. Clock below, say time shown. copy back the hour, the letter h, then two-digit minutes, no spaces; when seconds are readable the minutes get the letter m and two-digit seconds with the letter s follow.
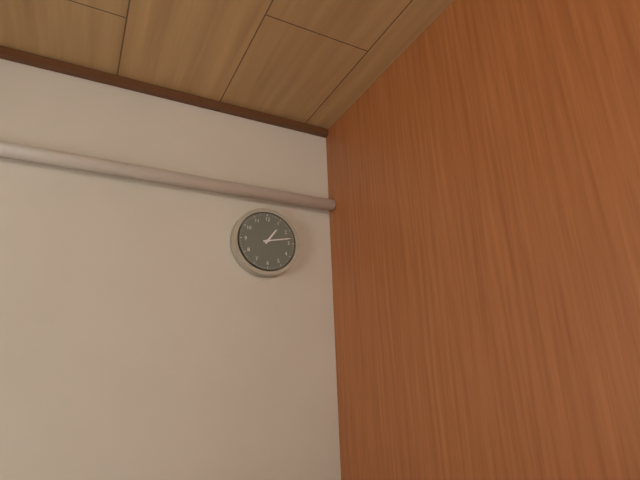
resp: 1h13
